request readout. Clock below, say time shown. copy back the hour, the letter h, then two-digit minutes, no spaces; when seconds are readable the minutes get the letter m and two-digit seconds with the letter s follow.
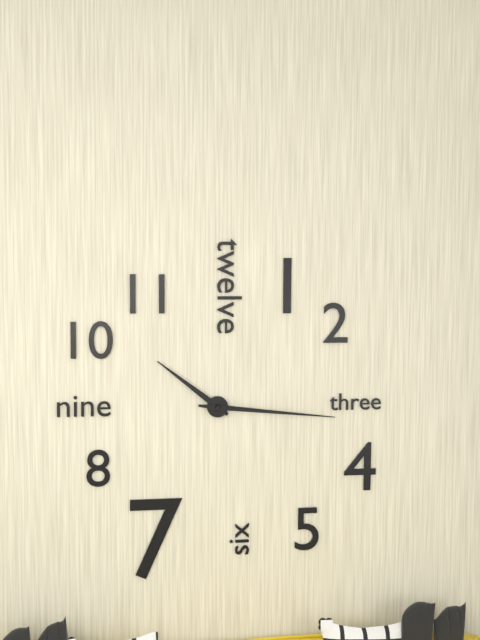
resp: 10h16
